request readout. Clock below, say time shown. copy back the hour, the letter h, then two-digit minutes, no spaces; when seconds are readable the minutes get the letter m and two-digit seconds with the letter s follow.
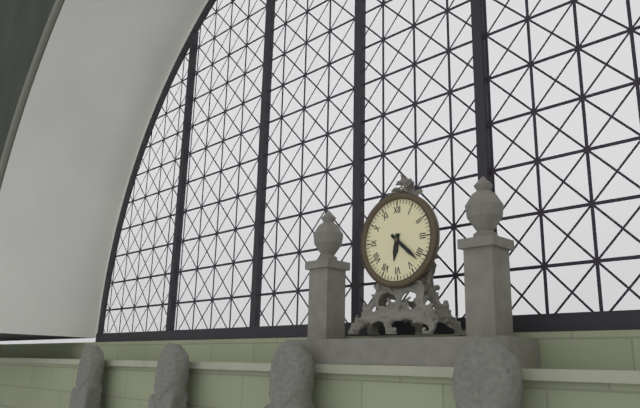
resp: 6h22
